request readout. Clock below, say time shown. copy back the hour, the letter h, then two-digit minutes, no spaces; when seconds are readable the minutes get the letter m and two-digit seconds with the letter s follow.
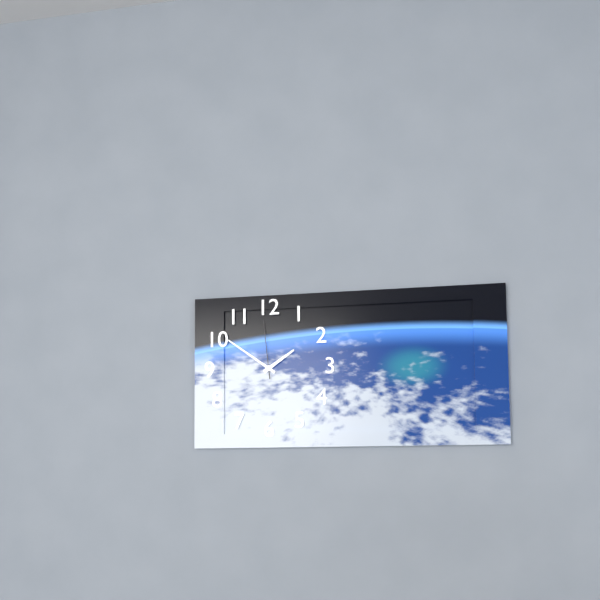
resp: 1h51m59s
